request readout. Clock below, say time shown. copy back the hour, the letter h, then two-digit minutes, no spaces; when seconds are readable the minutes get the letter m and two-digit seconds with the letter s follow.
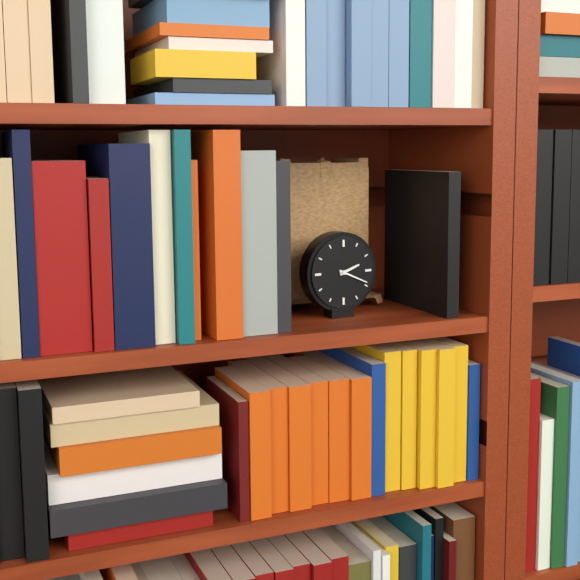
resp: 2h19
